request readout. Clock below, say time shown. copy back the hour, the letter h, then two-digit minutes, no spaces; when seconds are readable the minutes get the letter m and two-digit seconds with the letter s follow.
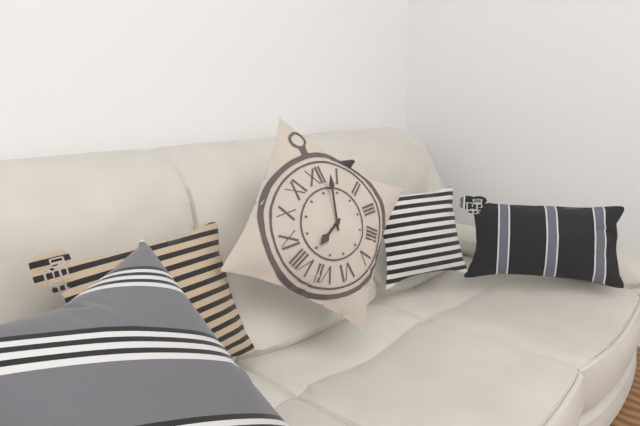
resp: 8h02
